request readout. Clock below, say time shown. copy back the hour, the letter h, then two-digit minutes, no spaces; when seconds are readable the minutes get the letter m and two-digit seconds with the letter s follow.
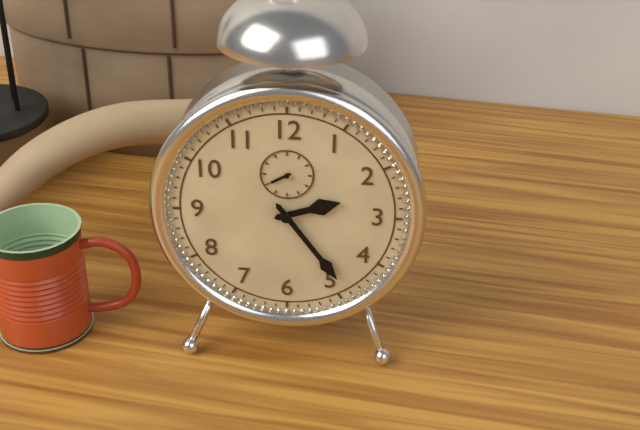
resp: 2h24
